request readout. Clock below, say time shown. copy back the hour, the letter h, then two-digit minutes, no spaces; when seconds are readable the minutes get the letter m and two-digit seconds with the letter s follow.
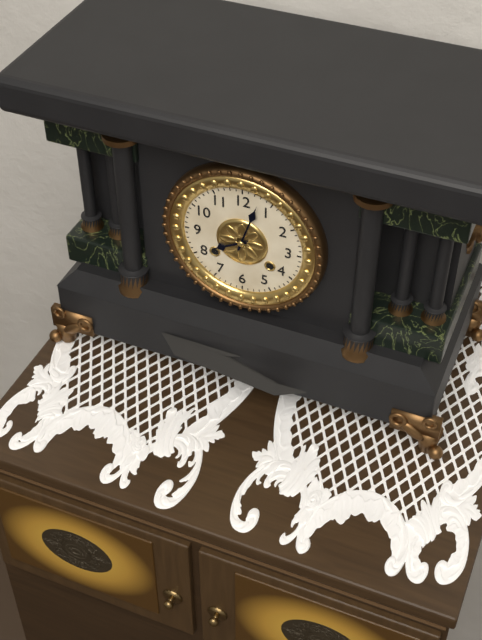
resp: 8h03
